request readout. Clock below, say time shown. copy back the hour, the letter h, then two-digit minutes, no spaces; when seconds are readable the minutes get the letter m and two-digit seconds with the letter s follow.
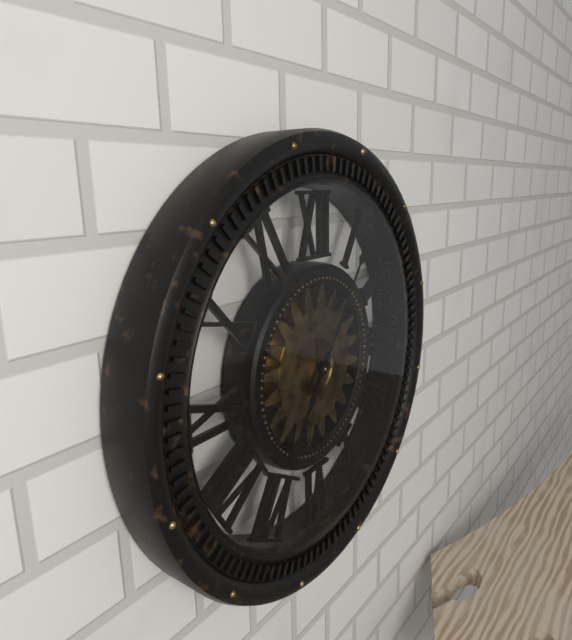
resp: 7h06
